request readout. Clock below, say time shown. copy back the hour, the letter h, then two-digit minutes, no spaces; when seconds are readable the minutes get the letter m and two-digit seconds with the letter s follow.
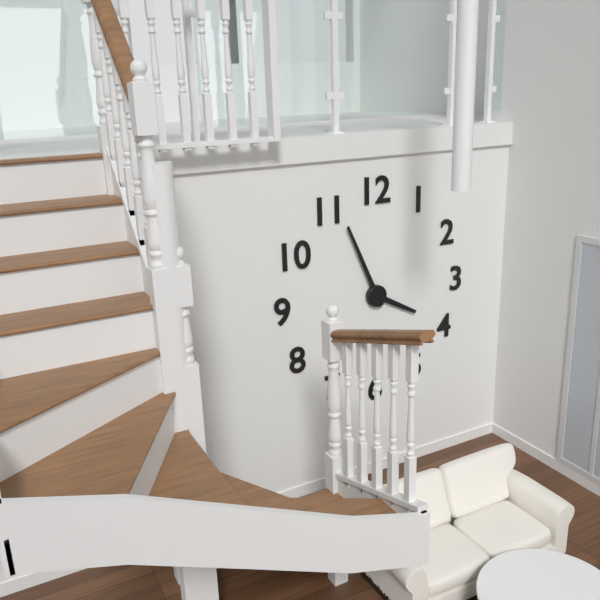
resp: 3h56
